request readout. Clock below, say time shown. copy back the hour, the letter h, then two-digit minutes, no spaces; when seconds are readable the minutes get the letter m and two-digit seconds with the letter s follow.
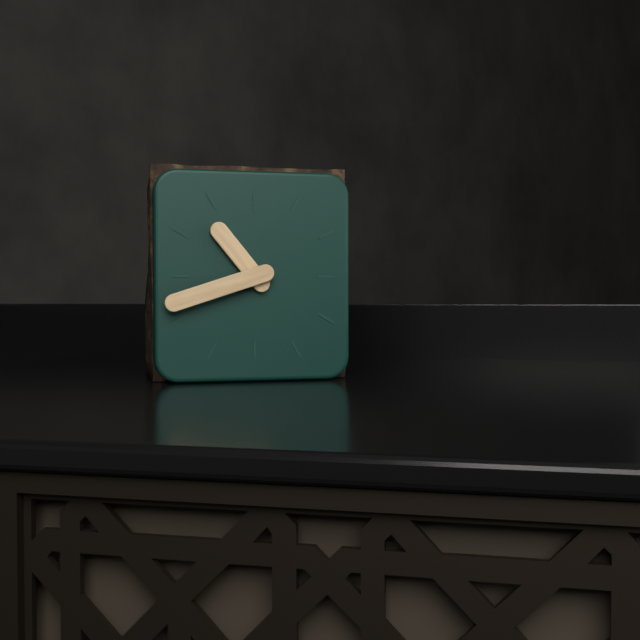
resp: 10h42
